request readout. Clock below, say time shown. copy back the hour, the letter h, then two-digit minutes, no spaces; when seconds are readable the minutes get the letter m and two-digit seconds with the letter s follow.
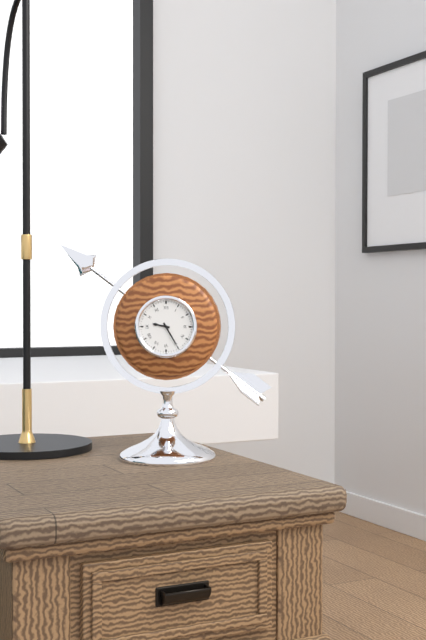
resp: 9h25
